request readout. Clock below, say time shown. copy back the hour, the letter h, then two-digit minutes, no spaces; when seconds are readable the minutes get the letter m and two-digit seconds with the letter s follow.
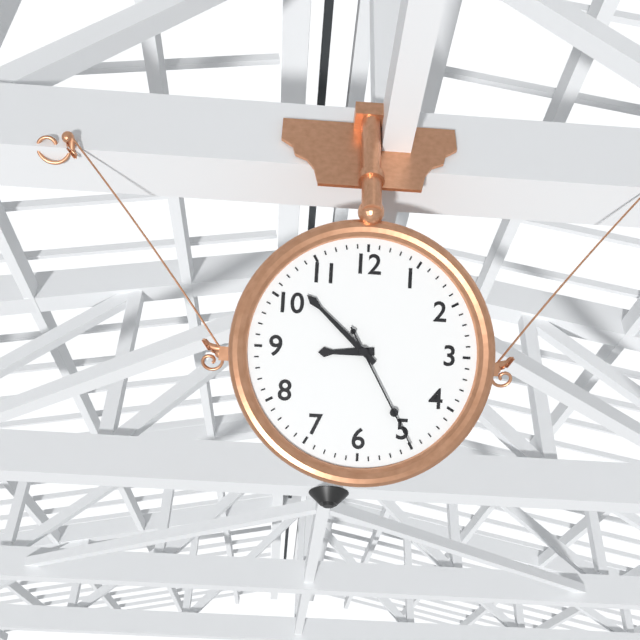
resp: 8h52m25s
